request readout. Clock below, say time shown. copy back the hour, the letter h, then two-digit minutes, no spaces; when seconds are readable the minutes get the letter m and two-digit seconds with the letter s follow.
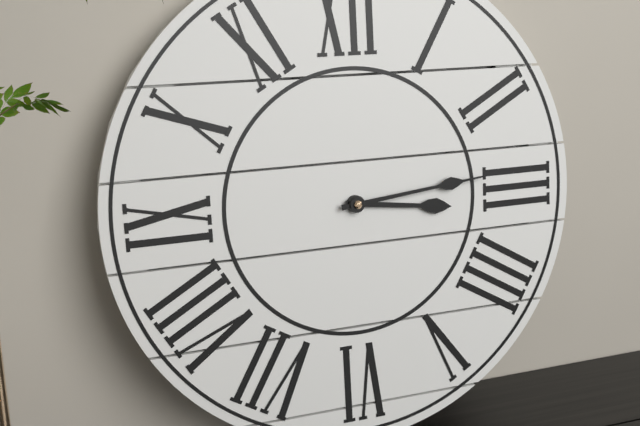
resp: 3h14
